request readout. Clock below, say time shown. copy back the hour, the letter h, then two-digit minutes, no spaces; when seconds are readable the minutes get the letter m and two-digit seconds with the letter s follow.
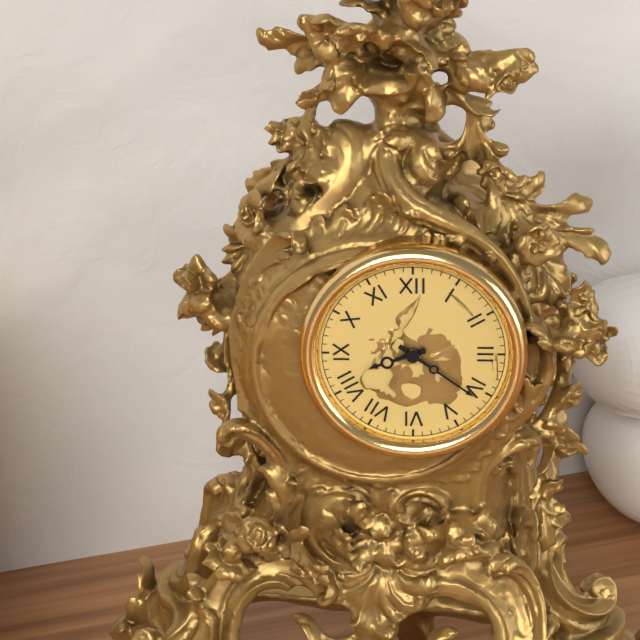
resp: 8h21
